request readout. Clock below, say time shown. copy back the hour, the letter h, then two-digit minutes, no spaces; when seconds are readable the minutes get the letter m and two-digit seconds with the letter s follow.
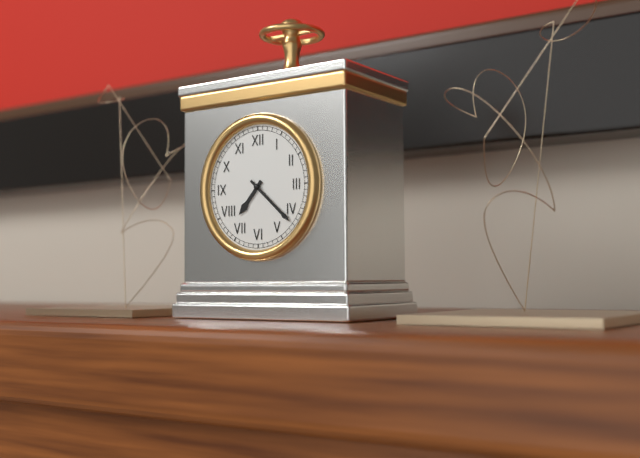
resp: 7h22
